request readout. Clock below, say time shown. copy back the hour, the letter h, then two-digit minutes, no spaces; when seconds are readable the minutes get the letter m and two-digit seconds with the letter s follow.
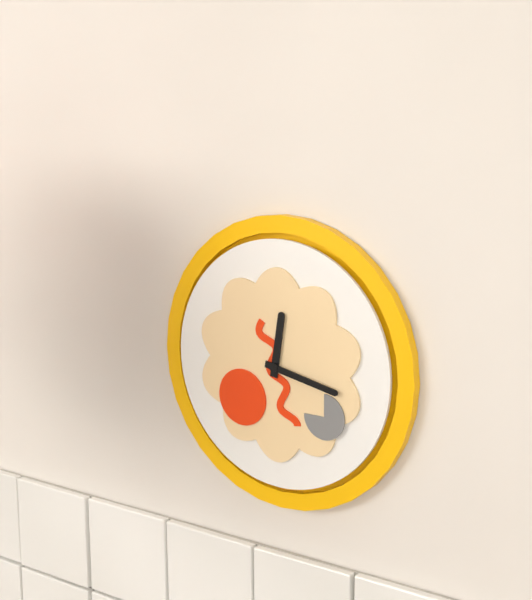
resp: 12h17
